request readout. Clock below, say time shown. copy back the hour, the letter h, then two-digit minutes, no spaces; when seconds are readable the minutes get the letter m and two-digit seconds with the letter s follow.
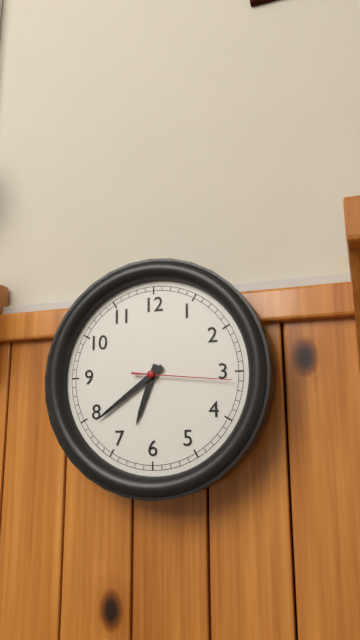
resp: 6h39m16s
